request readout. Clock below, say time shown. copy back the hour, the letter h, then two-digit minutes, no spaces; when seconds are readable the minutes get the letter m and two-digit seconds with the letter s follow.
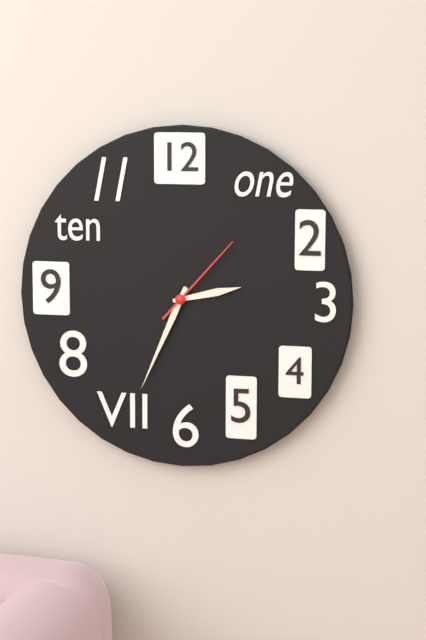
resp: 2h34m07s
